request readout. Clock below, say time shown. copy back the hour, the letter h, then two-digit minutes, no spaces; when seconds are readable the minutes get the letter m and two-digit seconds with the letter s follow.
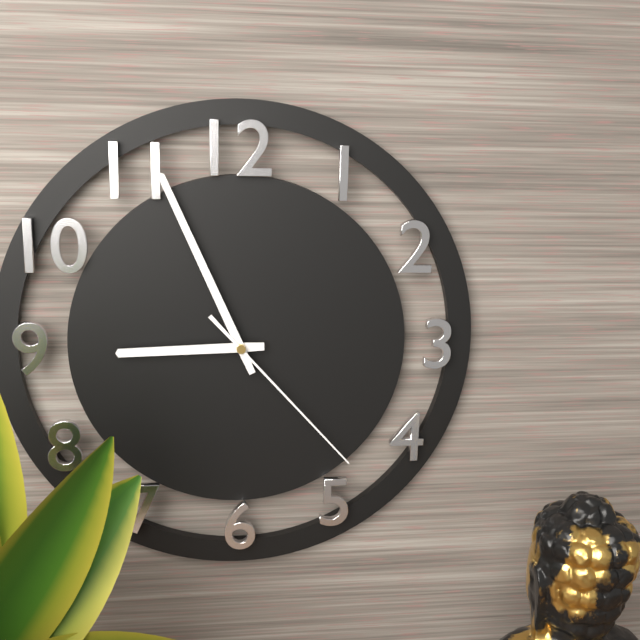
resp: 8h56m23s
